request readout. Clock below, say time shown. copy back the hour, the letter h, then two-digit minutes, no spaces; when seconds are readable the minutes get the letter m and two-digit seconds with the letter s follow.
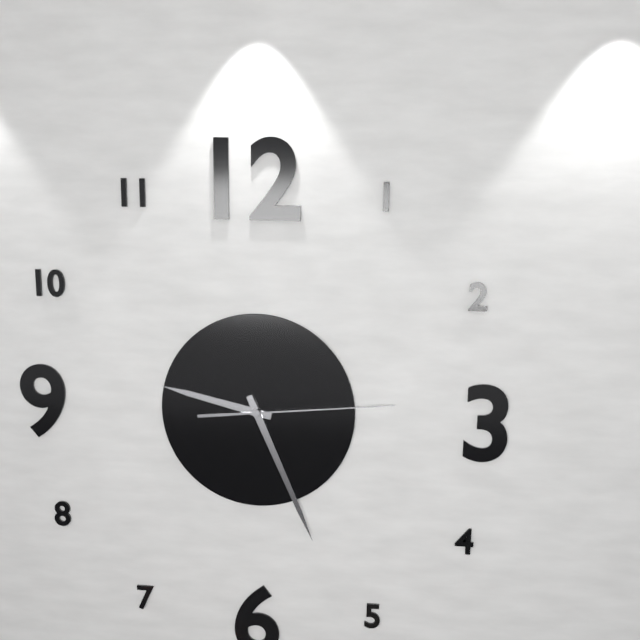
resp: 9h26m14s
